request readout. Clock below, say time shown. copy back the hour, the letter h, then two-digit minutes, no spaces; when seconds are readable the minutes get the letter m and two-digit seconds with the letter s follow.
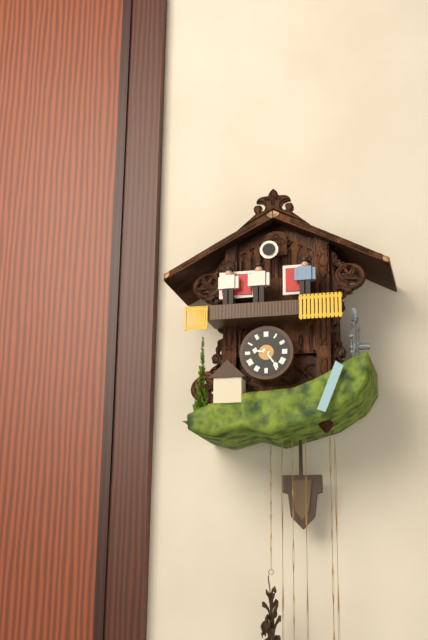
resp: 9h24
